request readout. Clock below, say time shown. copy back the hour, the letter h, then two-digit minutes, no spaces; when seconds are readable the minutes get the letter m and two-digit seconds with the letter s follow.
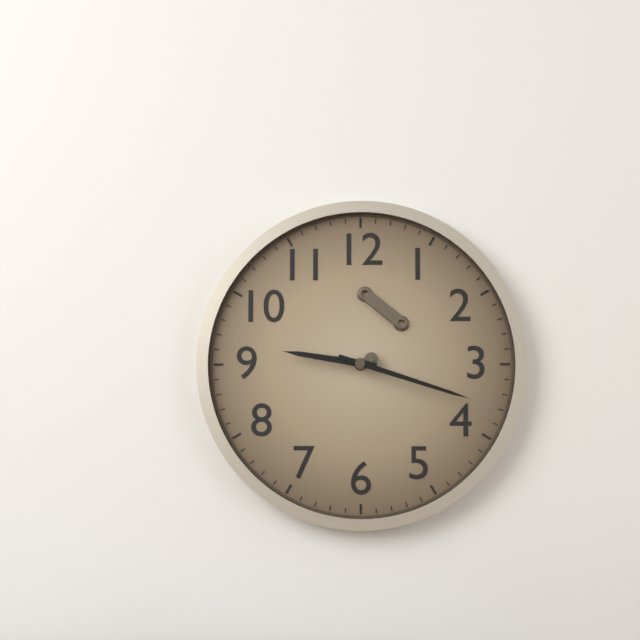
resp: 9h18
